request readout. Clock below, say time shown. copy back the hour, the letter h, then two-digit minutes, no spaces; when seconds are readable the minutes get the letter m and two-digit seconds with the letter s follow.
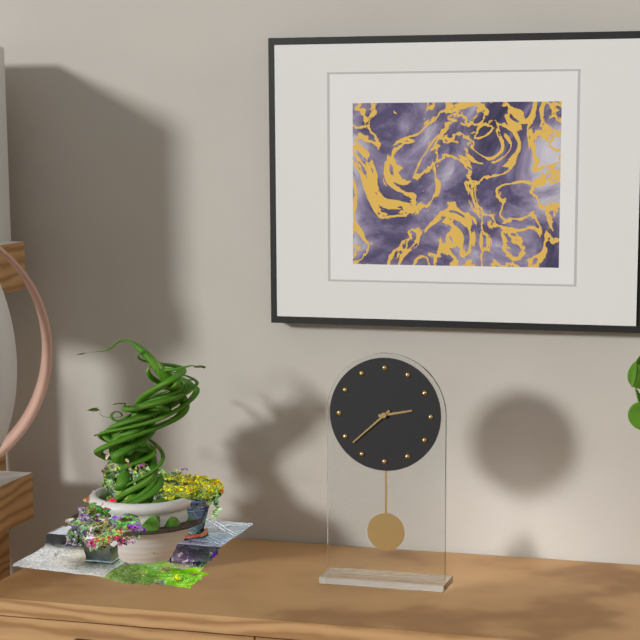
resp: 2h38
